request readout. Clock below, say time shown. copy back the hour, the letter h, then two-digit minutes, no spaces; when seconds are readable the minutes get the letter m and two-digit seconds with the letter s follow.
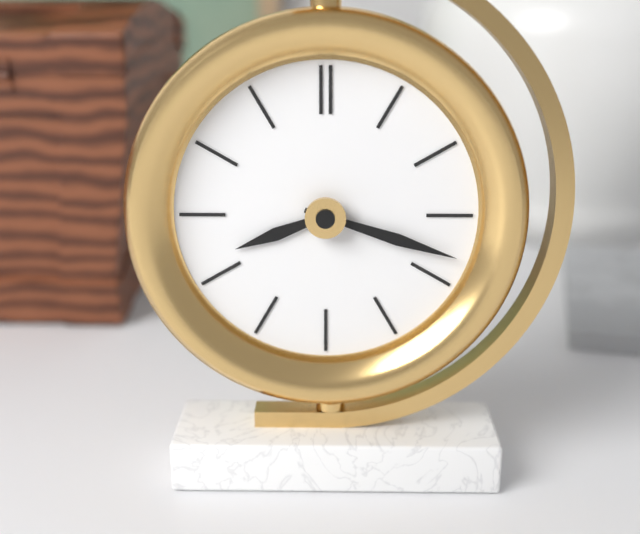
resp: 8h18
